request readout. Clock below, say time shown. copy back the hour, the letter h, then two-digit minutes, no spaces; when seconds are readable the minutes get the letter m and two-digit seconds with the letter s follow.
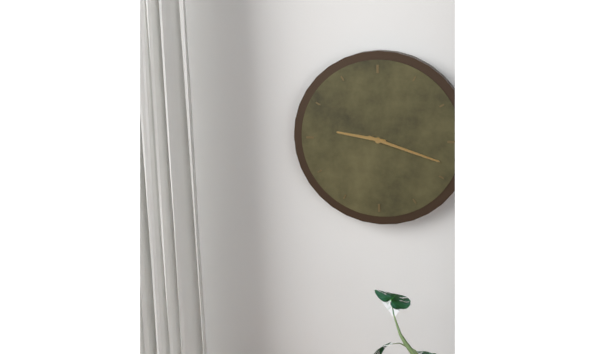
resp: 9h18
